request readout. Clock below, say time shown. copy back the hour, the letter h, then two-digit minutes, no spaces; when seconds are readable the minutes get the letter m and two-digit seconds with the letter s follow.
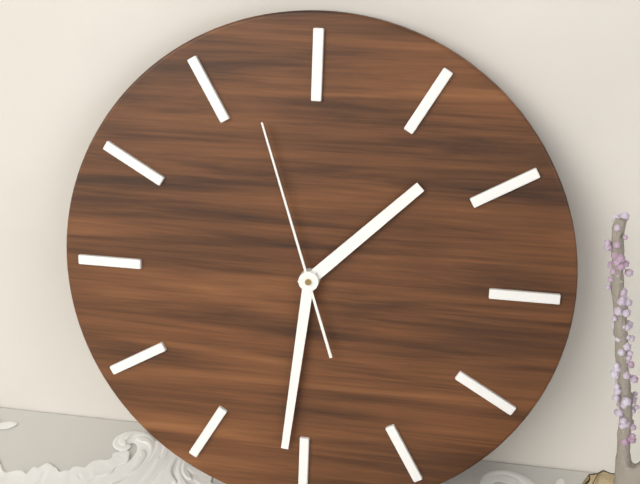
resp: 1h31m57s
